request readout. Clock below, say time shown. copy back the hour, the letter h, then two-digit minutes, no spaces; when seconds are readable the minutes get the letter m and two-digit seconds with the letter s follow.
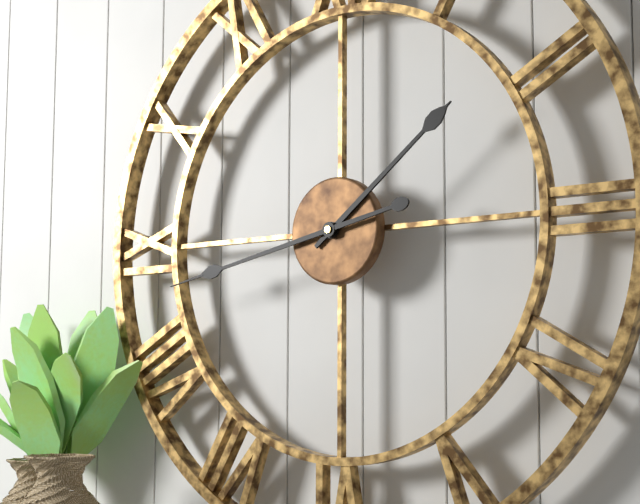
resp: 1h43
